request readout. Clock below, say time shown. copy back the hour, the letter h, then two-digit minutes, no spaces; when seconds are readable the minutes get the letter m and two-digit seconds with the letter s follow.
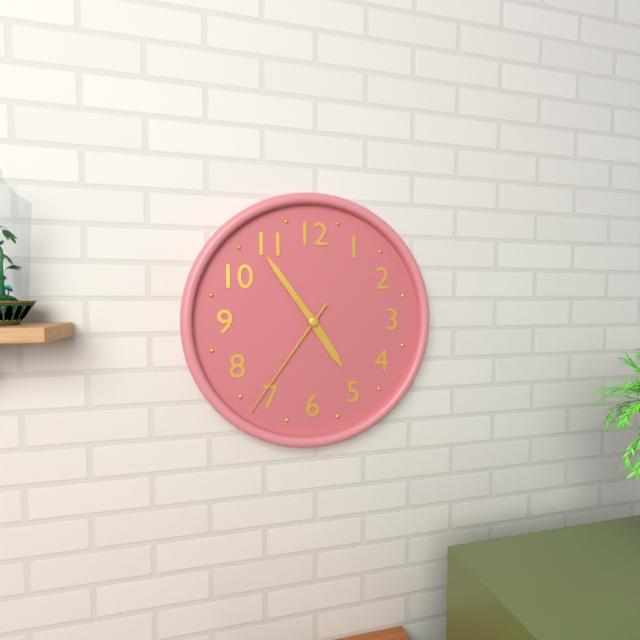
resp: 4h54m36s
